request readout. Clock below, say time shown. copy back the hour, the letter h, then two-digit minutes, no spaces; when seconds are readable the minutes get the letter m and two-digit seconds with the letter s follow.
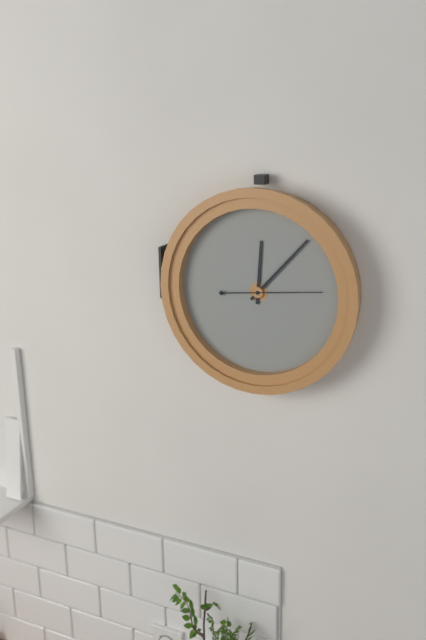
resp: 12h07m14s
